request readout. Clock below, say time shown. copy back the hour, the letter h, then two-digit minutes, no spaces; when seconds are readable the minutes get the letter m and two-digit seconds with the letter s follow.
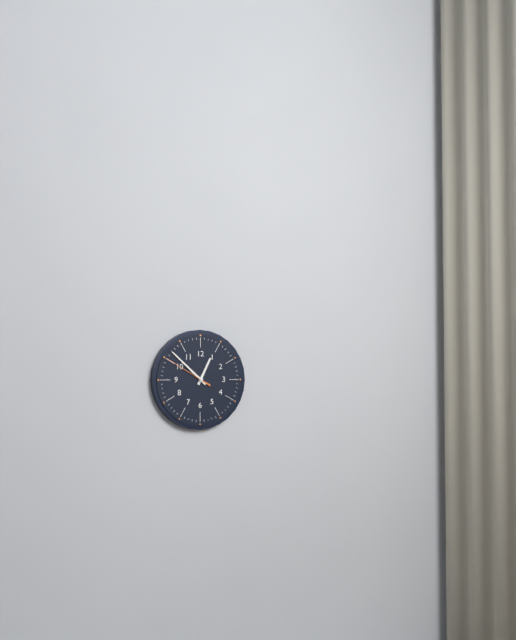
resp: 12h52
